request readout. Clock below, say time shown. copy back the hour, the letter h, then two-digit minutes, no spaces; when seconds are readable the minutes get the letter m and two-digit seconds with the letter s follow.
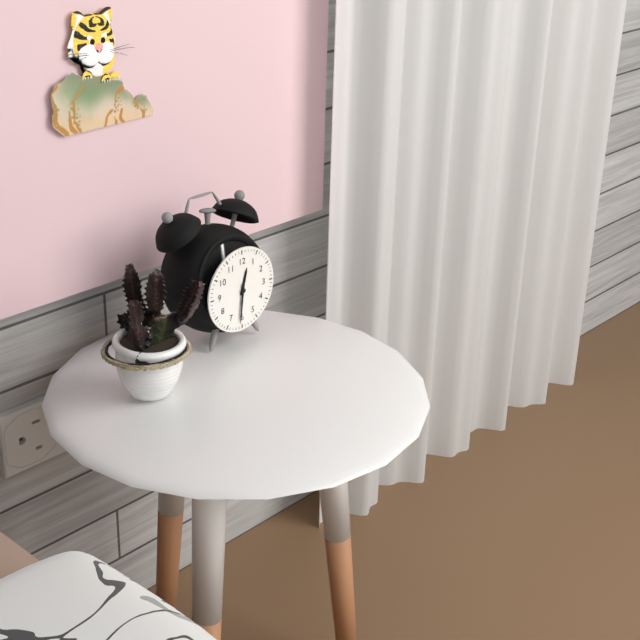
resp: 12h31
